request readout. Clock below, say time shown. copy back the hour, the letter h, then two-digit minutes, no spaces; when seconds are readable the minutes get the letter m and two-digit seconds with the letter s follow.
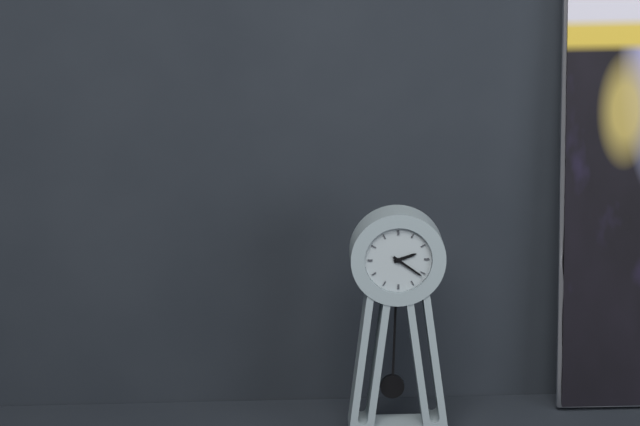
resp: 2h21
